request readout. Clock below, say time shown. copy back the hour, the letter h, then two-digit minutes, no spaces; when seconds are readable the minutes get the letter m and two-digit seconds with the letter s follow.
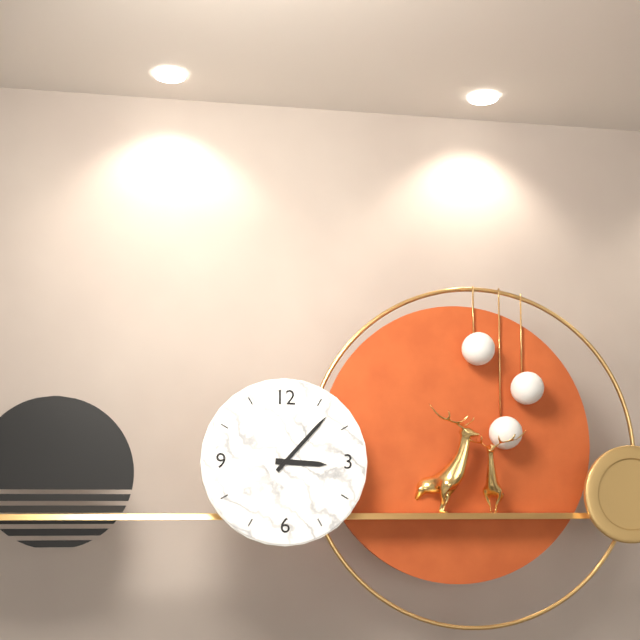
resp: 3h07
